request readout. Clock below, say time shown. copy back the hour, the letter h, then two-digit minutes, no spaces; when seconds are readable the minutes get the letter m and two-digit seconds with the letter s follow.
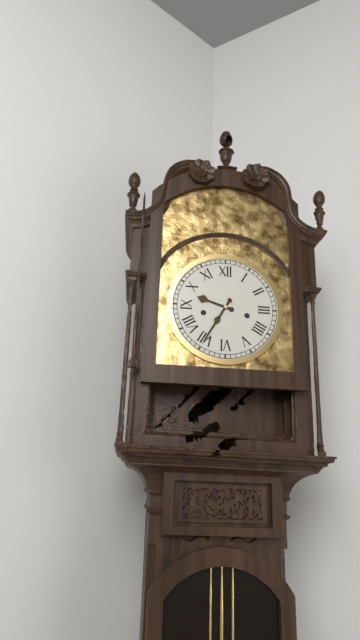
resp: 9h35
